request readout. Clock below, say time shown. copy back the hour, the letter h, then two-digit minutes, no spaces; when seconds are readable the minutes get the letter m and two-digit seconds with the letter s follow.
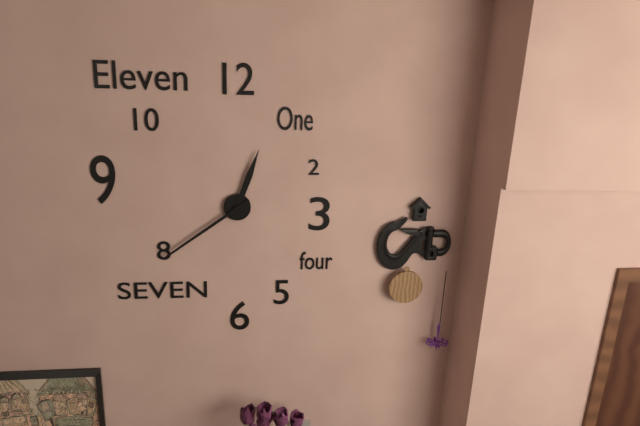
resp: 12h39
